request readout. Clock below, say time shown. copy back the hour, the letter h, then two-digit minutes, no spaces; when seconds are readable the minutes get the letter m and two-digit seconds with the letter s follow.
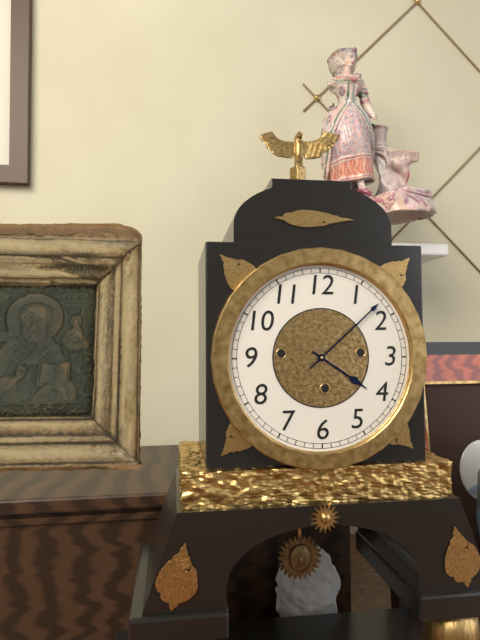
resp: 4h08
